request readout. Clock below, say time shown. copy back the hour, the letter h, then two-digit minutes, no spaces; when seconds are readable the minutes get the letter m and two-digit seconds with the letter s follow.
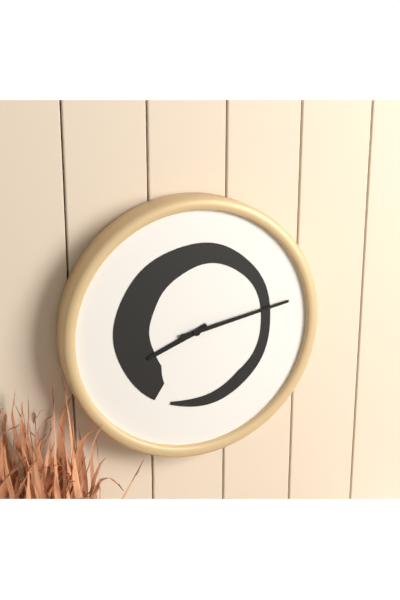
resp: 8h13
